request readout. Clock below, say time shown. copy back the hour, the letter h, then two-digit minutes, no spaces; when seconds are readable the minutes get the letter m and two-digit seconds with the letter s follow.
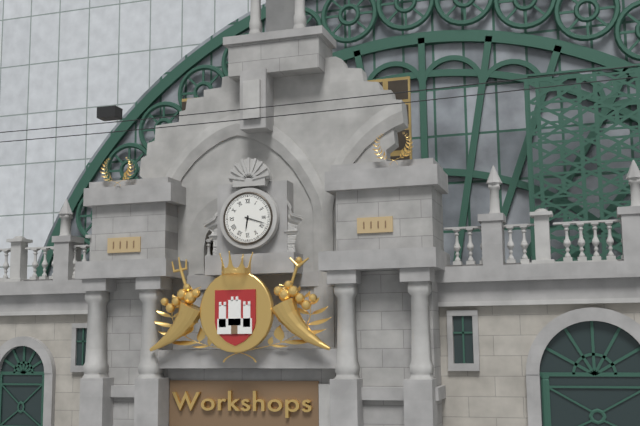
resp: 6h18
